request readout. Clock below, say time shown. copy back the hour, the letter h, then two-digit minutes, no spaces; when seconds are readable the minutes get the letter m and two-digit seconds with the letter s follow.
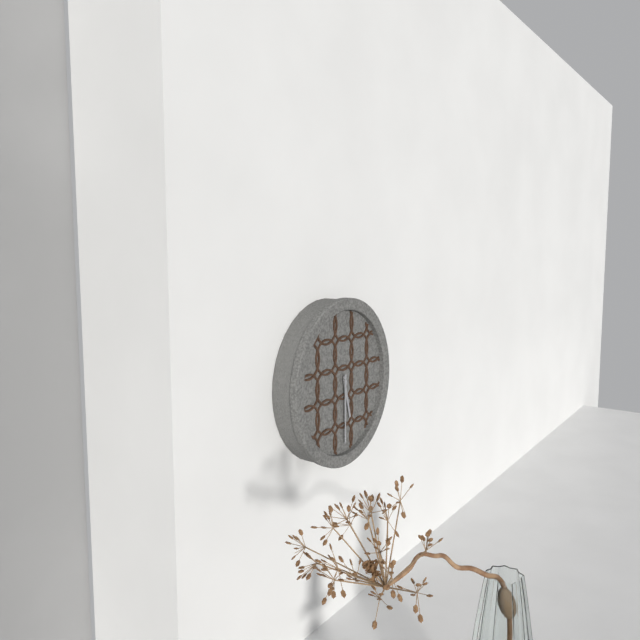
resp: 5h30
